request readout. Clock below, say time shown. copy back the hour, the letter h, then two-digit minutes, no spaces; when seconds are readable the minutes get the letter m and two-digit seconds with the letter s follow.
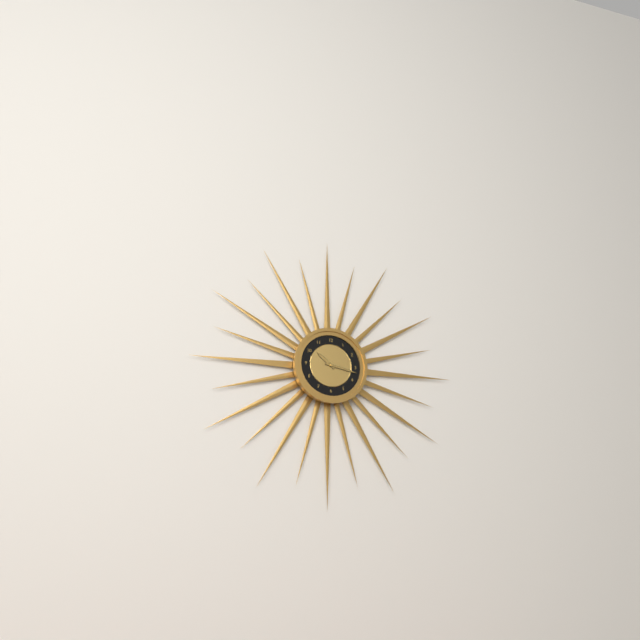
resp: 10h17
